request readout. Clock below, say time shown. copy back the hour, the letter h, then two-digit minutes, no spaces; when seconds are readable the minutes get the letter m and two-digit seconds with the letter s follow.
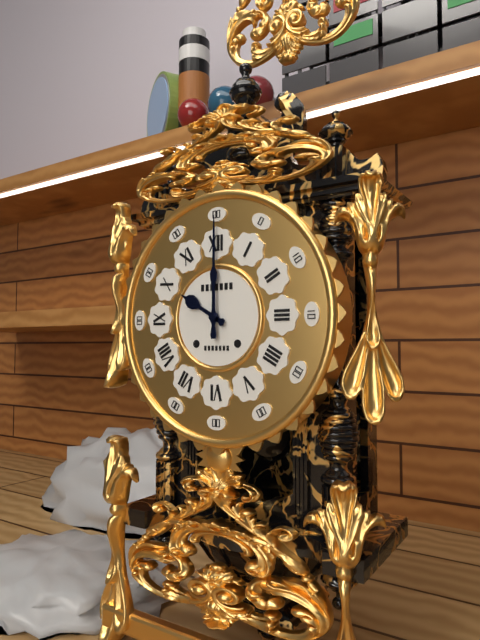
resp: 10h00
